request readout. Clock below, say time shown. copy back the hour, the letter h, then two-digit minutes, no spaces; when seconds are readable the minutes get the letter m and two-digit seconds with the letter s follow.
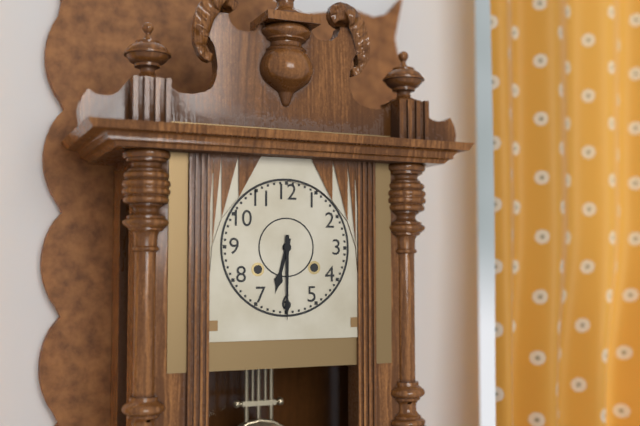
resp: 6h30
